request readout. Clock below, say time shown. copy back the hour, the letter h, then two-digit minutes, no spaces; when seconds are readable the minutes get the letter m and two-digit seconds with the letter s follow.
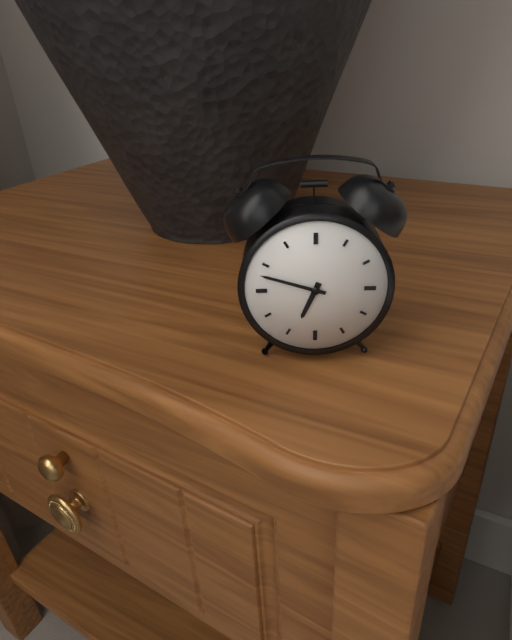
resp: 6h48
